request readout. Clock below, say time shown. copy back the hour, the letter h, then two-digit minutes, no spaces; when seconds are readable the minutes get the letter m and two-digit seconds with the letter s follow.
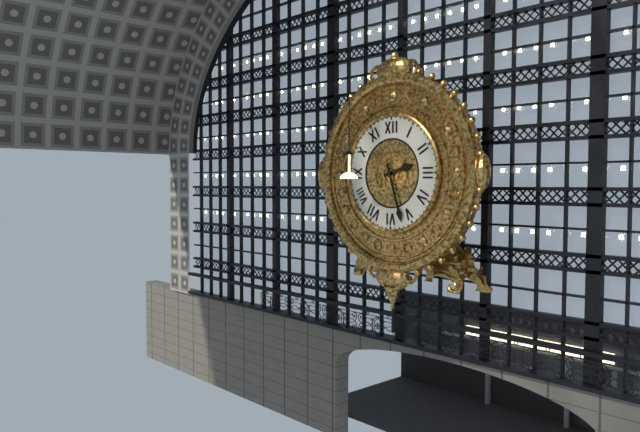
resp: 2h27
